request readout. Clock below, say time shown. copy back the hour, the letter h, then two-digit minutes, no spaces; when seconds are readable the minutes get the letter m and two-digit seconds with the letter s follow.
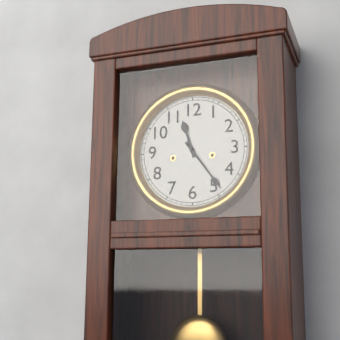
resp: 11h24
